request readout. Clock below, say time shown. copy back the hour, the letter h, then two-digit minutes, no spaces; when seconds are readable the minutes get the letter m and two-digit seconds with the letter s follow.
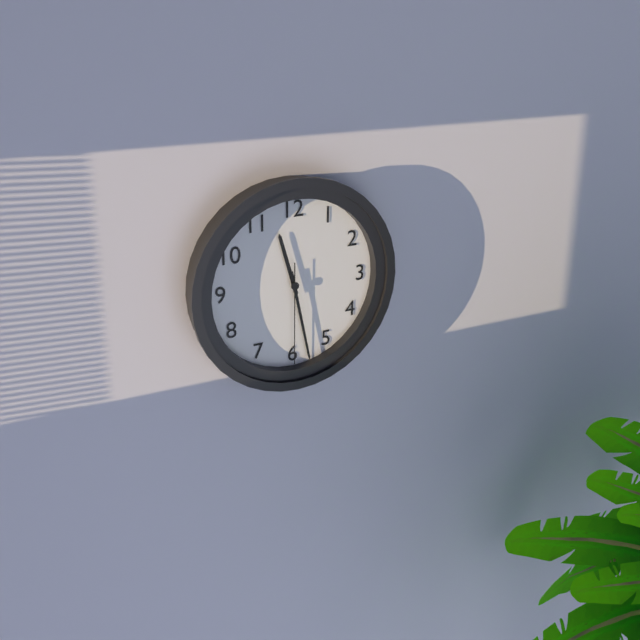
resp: 11h28m30s
